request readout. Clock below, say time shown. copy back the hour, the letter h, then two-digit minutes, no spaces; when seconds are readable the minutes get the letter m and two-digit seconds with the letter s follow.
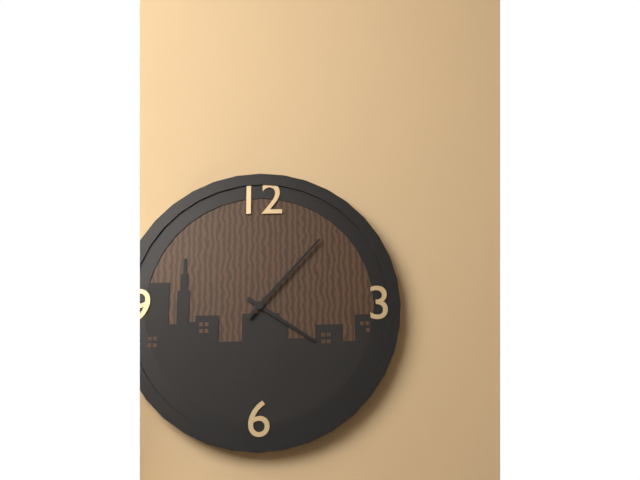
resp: 4h07
